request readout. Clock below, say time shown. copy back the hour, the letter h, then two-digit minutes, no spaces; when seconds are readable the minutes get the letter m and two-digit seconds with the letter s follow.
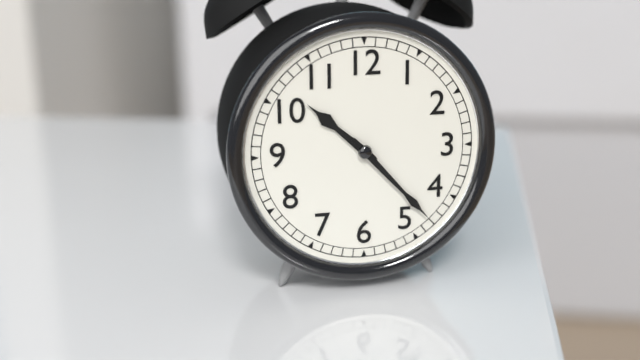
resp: 10h23
